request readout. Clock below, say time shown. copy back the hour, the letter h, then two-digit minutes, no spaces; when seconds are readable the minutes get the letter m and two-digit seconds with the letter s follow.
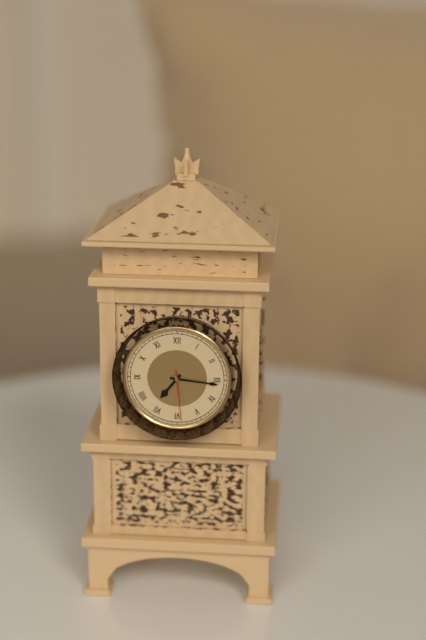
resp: 7h16m29s
